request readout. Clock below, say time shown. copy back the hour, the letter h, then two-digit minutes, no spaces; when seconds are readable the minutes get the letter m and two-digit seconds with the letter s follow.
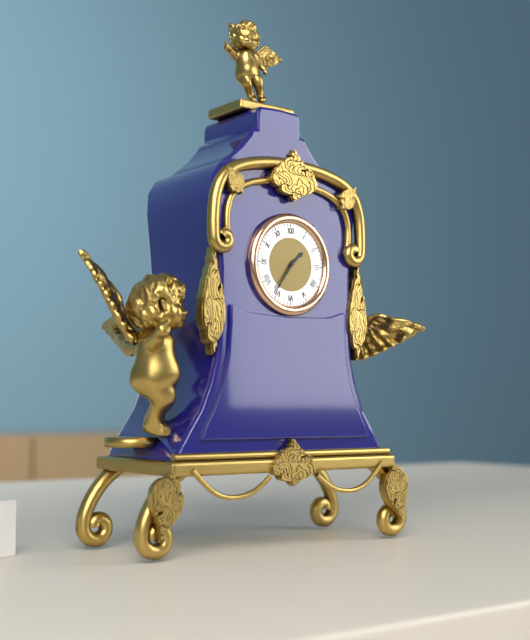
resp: 1h36
